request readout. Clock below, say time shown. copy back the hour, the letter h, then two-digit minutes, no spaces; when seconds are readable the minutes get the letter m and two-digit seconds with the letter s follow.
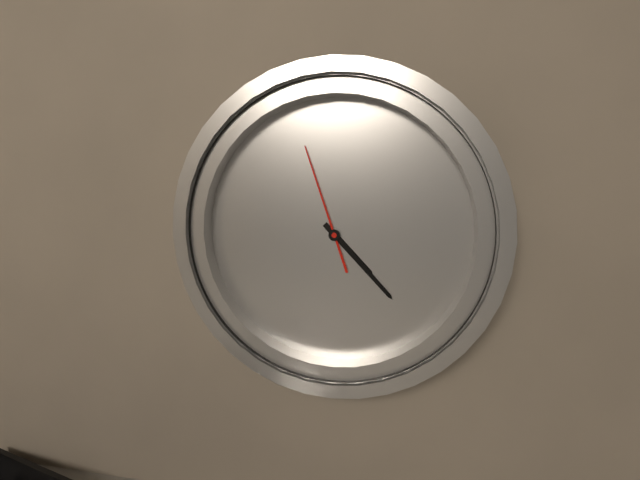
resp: 4h22m56s
